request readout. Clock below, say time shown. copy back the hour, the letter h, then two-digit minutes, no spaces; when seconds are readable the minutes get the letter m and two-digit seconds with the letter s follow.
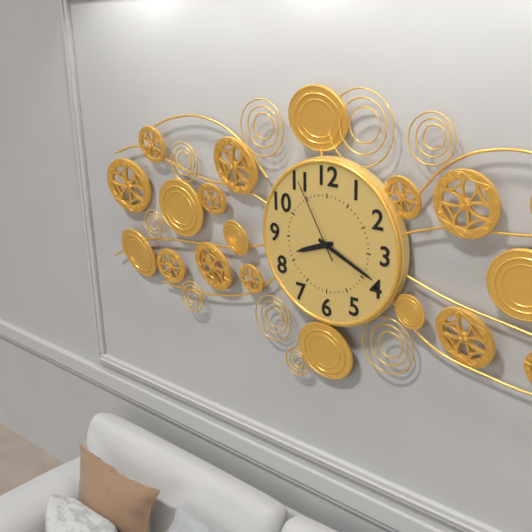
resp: 8h19m55s
